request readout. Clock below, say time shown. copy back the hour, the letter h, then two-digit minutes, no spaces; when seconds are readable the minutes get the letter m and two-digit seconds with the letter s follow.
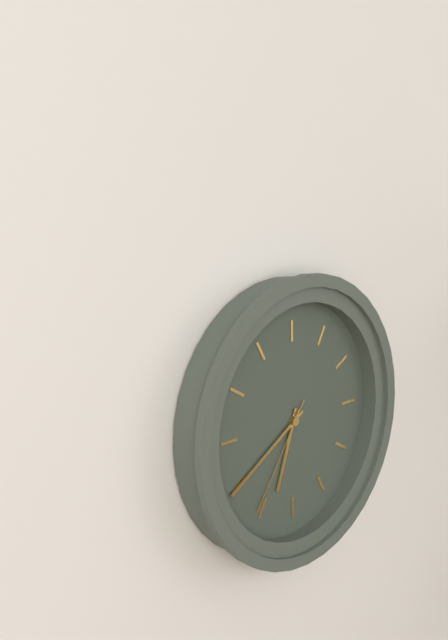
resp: 6h40m36s
